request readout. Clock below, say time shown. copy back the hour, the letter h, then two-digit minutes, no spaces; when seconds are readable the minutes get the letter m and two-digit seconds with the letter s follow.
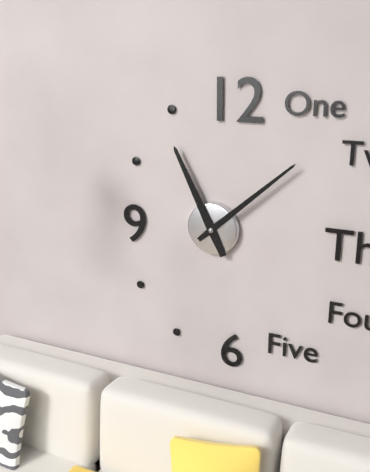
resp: 11h08
